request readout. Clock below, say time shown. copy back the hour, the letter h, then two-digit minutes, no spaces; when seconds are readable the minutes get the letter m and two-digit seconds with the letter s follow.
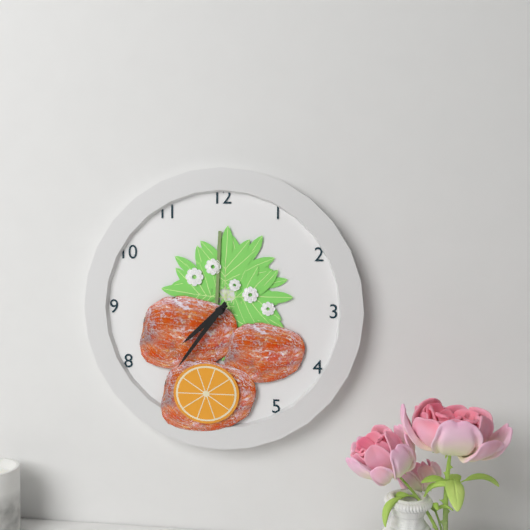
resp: 7h36
